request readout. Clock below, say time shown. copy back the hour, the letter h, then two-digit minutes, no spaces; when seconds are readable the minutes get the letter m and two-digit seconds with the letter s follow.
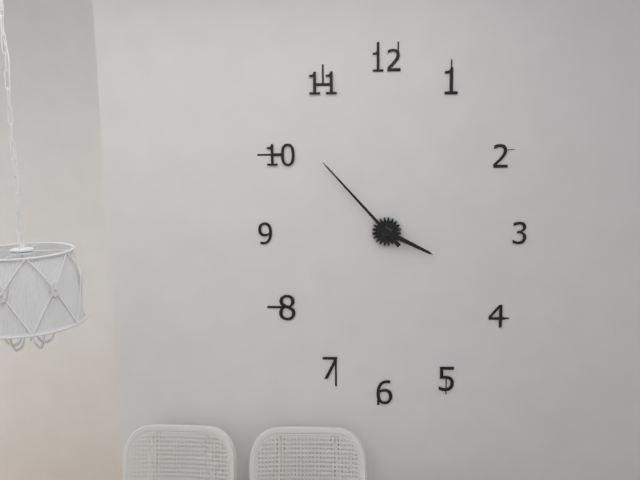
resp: 3h53
